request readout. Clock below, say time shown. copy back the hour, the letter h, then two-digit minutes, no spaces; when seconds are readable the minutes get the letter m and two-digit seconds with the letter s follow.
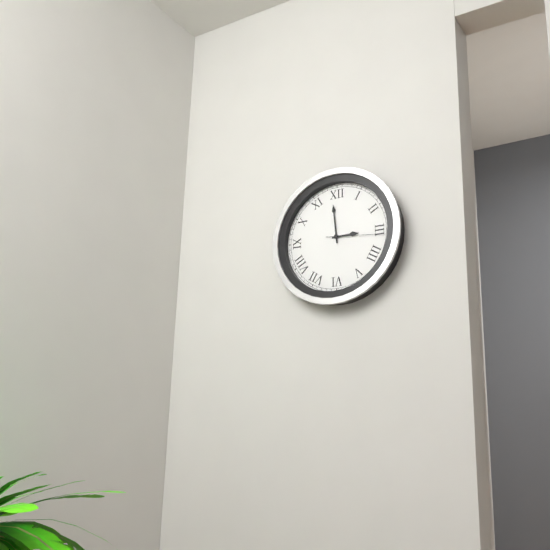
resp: 2h59m16s
